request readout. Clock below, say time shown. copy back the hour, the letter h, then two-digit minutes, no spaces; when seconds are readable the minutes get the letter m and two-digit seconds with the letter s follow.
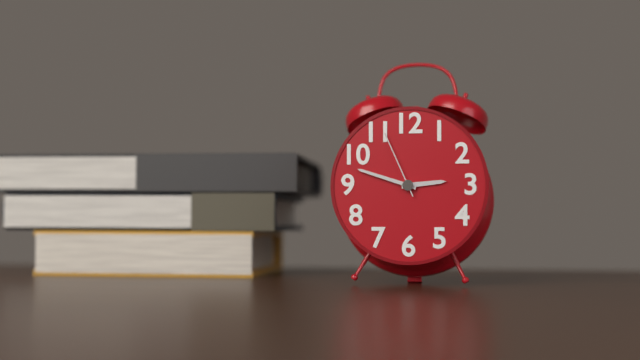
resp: 2h48m56s
